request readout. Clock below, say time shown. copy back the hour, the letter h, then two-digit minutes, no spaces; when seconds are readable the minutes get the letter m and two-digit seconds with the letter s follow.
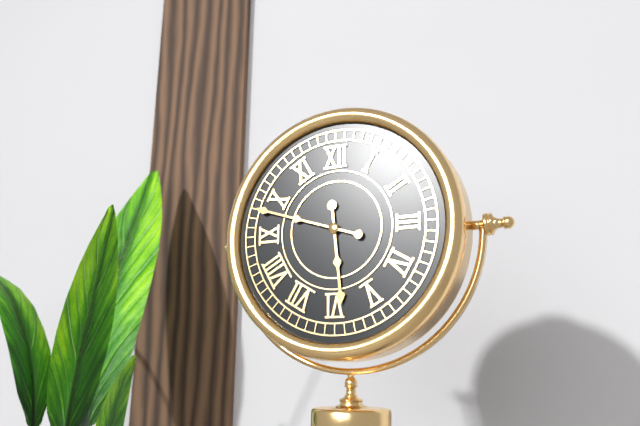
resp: 5h48
